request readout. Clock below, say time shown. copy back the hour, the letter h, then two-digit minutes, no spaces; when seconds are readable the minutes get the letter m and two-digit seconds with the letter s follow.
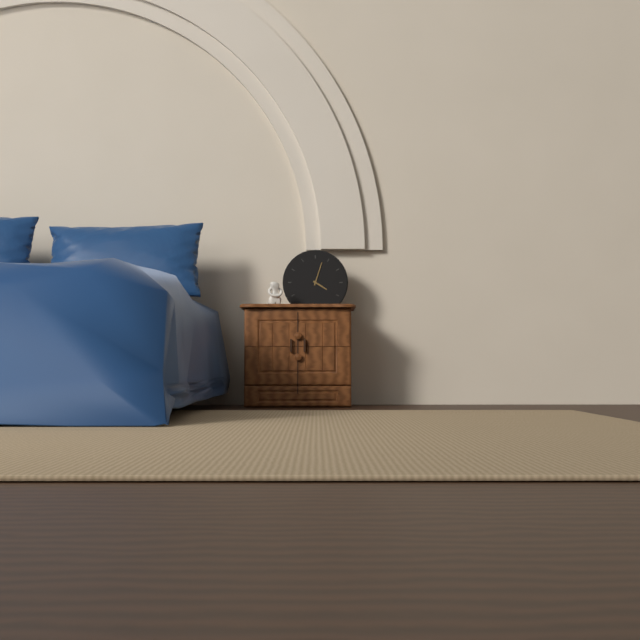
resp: 4h03
